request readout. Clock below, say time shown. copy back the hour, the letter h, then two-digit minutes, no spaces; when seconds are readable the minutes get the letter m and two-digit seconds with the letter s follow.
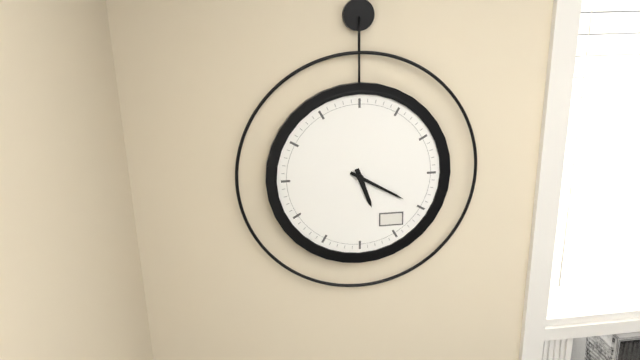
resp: 5h20
